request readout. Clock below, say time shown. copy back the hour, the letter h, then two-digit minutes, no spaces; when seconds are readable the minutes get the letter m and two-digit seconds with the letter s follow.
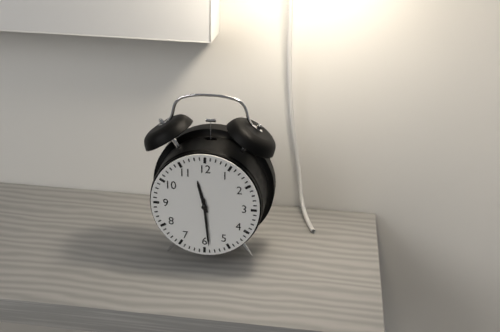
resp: 11h29
